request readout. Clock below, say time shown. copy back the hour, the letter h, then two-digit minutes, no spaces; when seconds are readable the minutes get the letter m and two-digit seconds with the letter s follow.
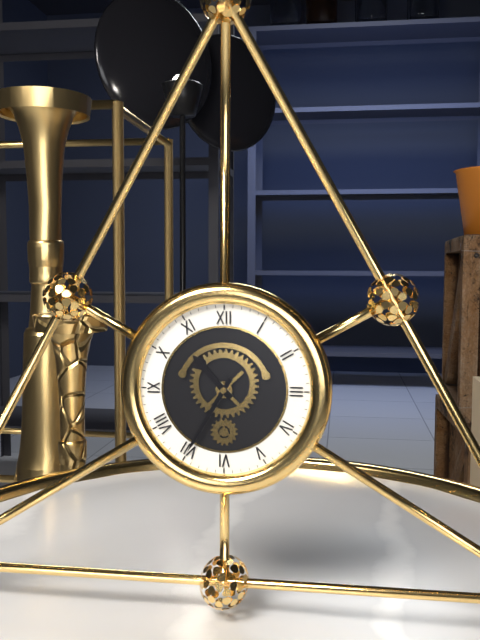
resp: 10h35
